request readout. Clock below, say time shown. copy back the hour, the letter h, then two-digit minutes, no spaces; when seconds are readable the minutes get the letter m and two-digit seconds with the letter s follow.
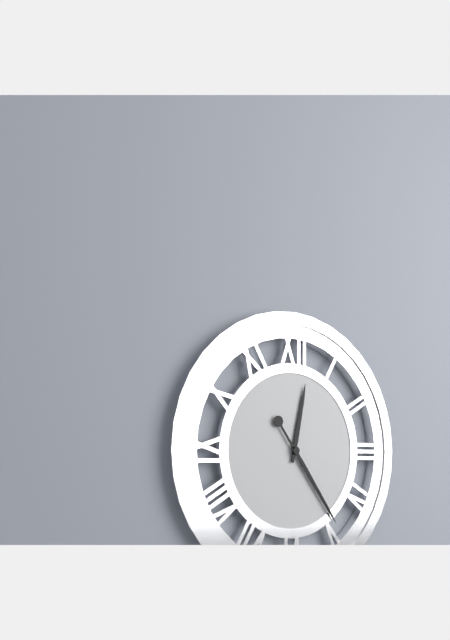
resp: 12h24
